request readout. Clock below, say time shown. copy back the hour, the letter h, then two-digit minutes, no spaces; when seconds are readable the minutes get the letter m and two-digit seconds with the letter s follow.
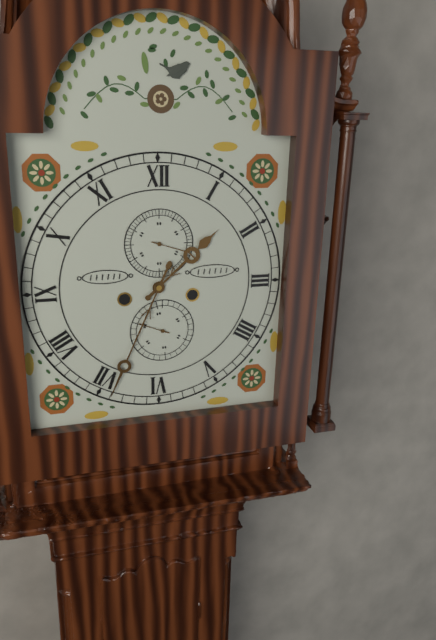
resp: 1h34
